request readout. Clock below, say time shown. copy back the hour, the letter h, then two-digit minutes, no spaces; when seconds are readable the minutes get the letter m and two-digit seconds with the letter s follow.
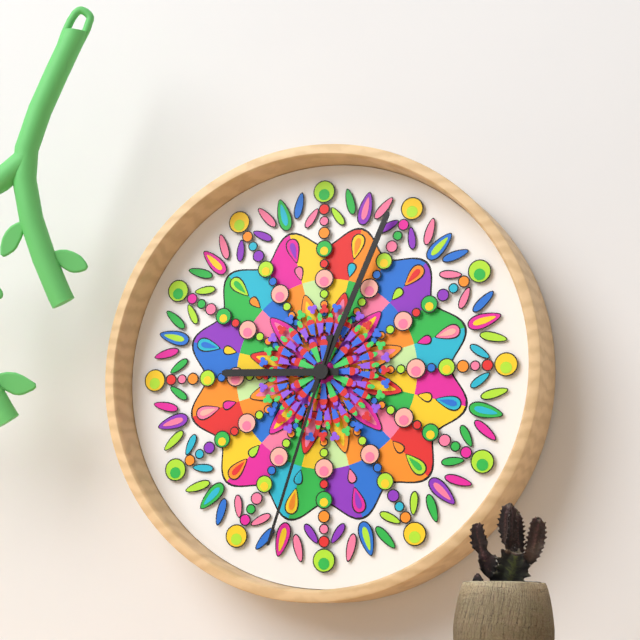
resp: 9h04m33s
